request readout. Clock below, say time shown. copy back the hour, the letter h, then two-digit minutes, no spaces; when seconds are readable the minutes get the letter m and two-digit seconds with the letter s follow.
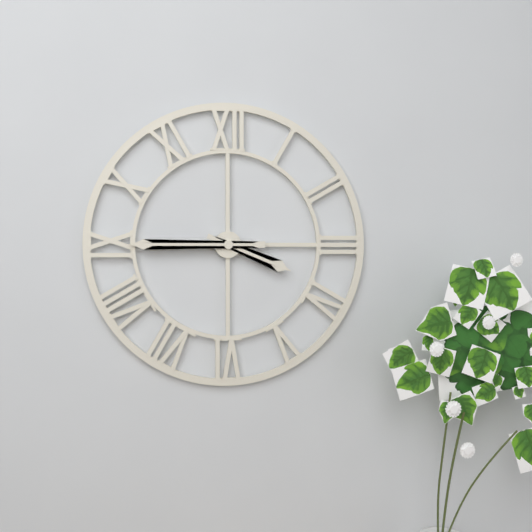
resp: 3h45
